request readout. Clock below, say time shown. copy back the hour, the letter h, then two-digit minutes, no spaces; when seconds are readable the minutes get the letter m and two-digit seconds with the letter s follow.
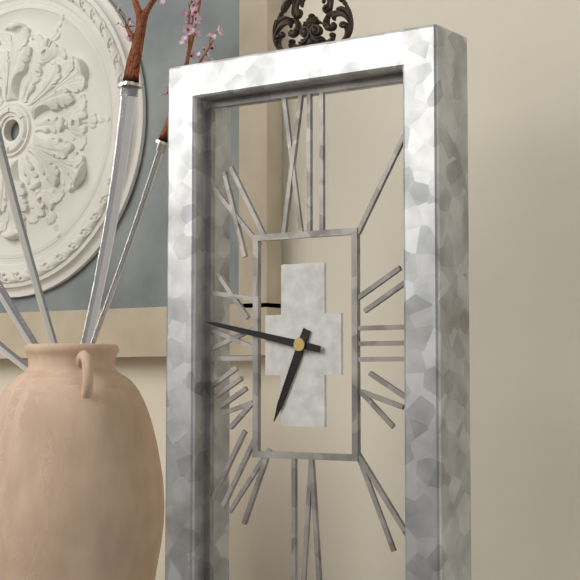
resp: 6h47
